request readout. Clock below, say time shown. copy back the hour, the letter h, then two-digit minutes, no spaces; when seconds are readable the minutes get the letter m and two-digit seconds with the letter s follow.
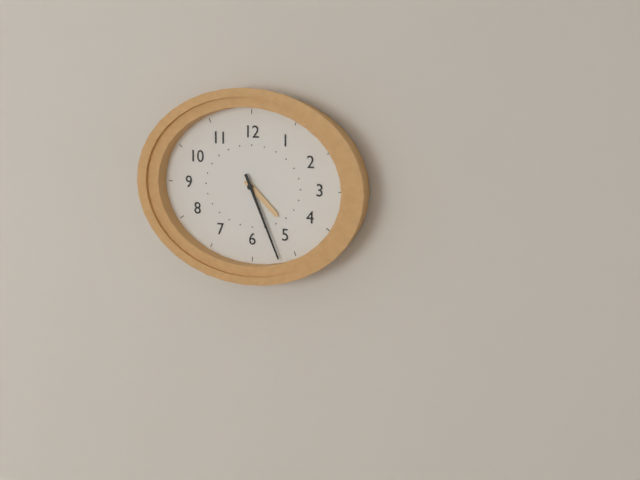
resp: 4h26
